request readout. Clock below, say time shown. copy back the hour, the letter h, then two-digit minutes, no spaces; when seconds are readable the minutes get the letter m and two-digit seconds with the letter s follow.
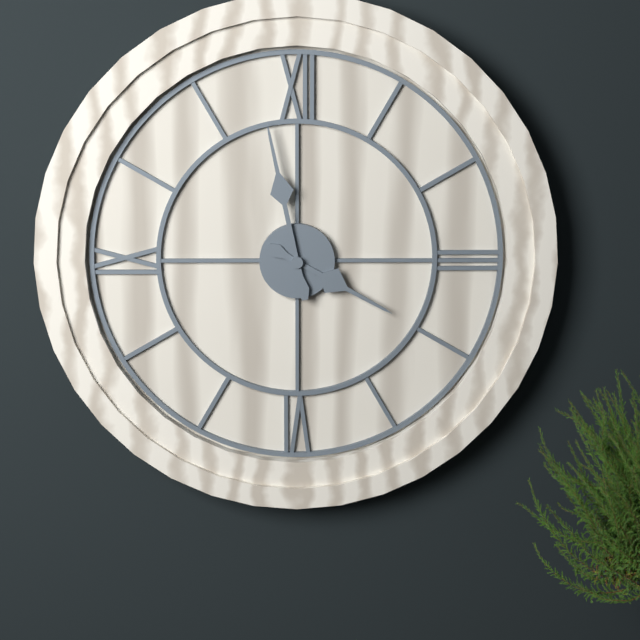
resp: 3h58
